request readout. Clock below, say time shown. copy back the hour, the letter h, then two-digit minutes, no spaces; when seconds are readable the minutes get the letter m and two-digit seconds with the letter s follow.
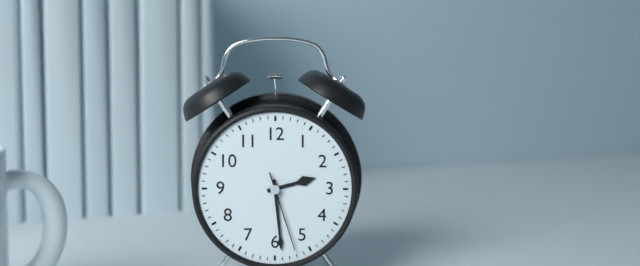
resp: 2h29m27s
